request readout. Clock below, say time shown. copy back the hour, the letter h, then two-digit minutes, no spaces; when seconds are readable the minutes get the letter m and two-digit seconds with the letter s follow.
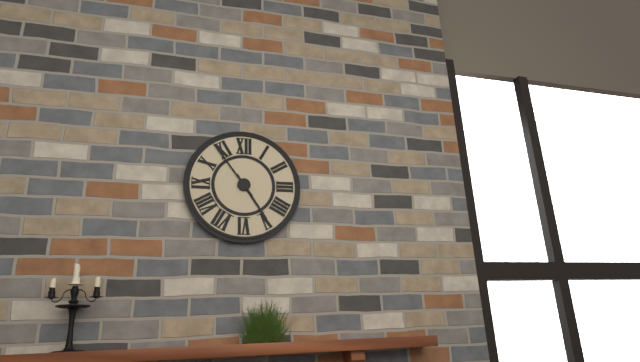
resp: 4h54
